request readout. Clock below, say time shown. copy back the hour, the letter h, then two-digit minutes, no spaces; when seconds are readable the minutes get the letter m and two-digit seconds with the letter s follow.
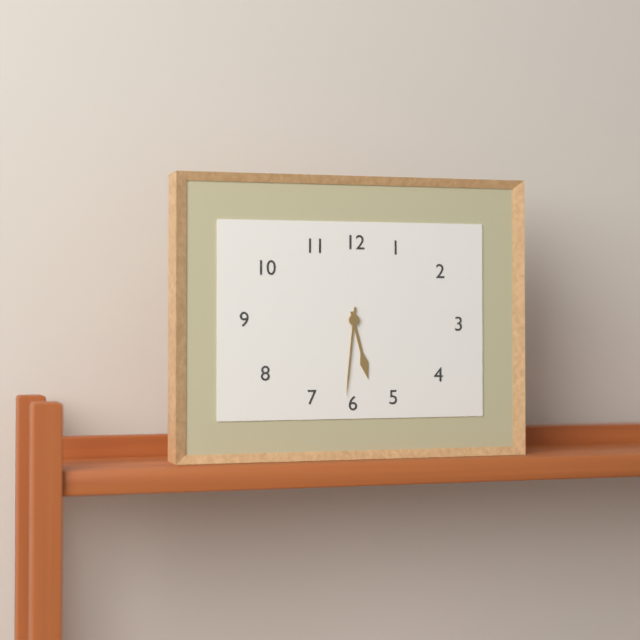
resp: 5h31
